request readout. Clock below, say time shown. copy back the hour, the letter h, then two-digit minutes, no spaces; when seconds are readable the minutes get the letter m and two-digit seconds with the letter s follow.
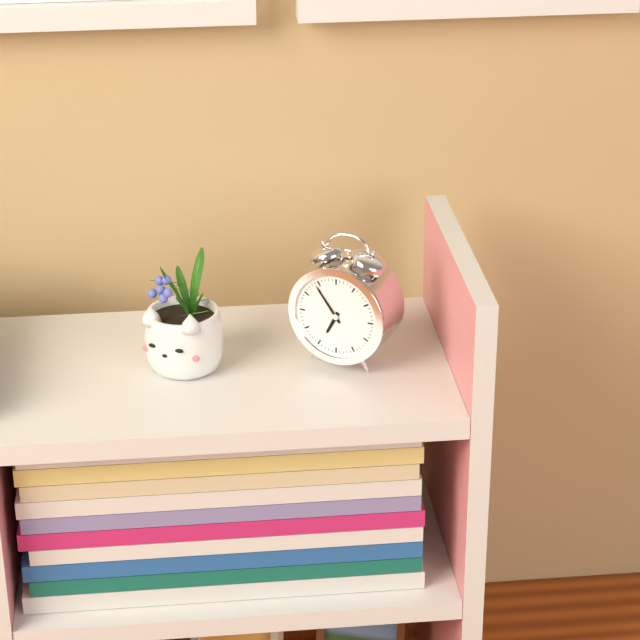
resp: 6h54
